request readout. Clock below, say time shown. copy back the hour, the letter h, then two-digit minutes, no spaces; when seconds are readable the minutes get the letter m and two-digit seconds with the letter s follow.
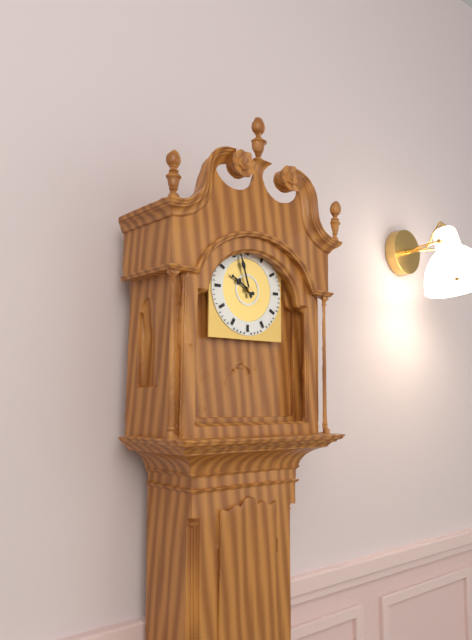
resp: 9h57
